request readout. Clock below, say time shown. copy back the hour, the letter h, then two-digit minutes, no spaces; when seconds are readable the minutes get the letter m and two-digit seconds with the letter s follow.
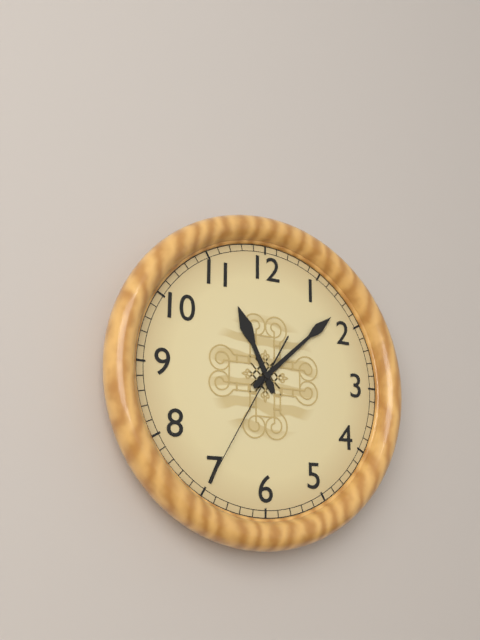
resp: 11h08m35s
